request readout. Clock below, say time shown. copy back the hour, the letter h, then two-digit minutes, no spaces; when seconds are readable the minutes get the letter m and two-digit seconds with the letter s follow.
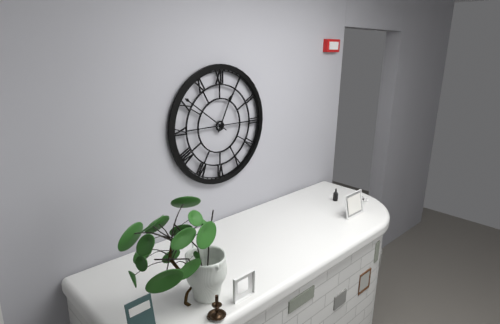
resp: 12h51
